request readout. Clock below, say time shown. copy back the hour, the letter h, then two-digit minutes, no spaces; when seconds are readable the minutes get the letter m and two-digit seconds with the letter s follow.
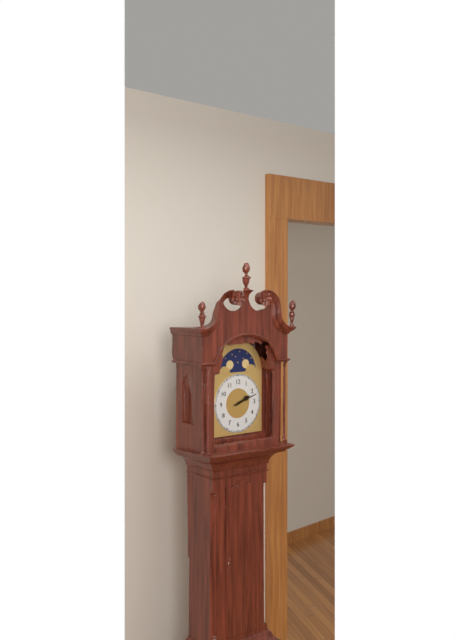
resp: 2h12
